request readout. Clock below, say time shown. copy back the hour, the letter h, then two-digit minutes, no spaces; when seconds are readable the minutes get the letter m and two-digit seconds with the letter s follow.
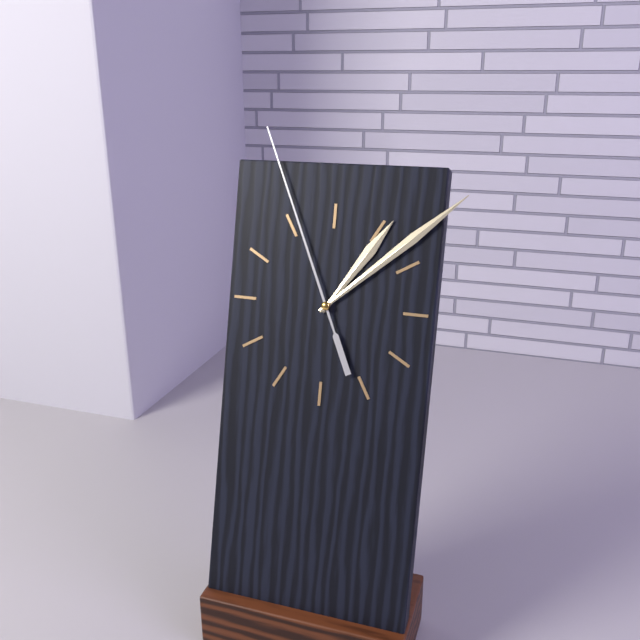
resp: 1h08m56s
